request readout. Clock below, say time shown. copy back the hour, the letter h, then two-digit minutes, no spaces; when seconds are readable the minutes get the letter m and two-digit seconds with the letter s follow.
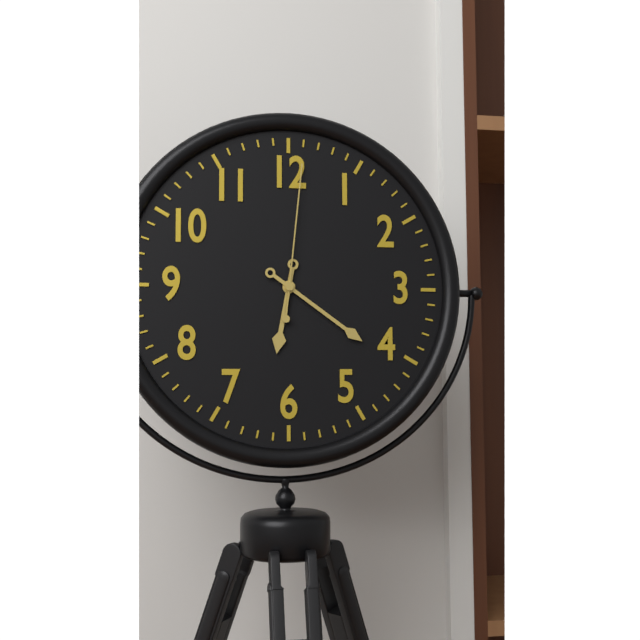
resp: 6h21m01s
